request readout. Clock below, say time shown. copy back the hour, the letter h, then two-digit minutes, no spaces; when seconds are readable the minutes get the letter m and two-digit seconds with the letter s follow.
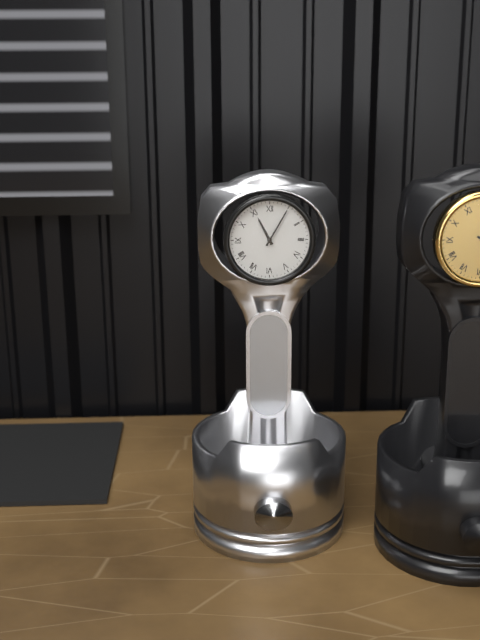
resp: 11h05
